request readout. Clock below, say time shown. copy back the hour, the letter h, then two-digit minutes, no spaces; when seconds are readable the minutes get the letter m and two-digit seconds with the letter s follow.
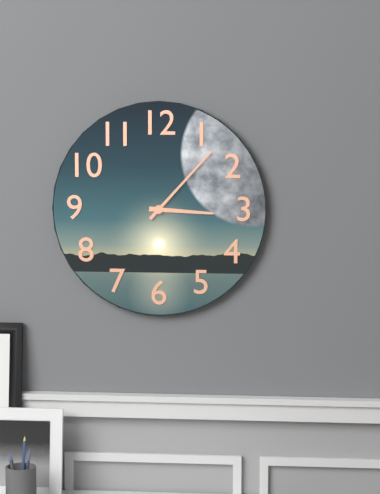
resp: 3h07
